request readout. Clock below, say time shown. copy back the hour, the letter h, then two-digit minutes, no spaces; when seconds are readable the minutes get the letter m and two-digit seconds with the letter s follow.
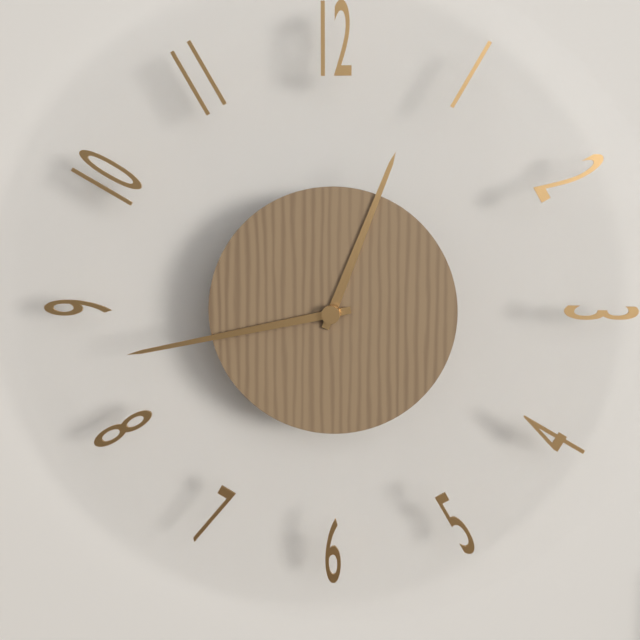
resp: 12h43
